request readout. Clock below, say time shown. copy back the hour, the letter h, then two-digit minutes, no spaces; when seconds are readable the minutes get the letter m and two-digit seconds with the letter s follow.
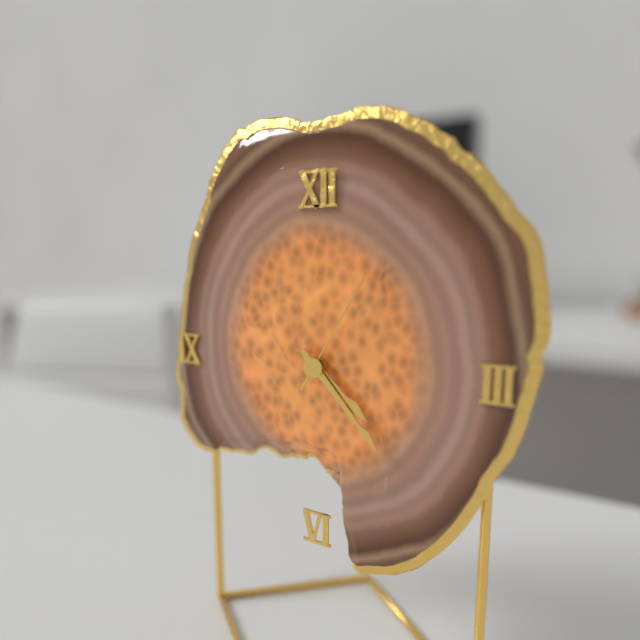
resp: 4h23m05s
